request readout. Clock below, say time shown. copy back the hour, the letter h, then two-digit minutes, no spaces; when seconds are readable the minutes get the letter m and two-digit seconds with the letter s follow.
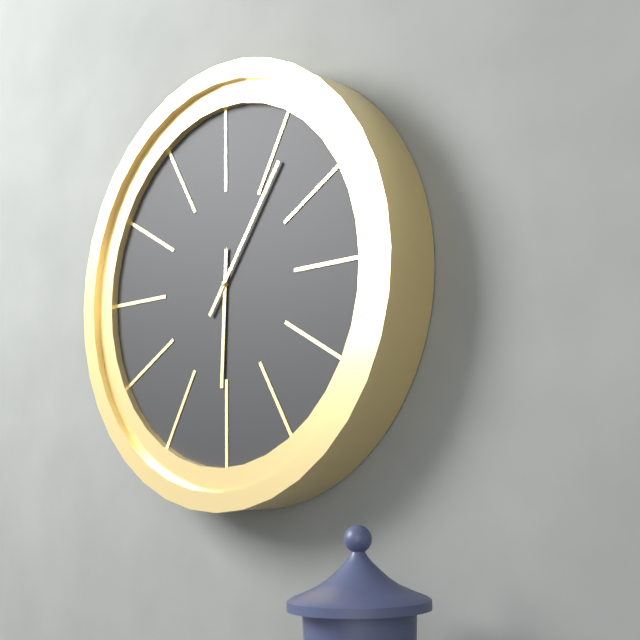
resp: 6h06
